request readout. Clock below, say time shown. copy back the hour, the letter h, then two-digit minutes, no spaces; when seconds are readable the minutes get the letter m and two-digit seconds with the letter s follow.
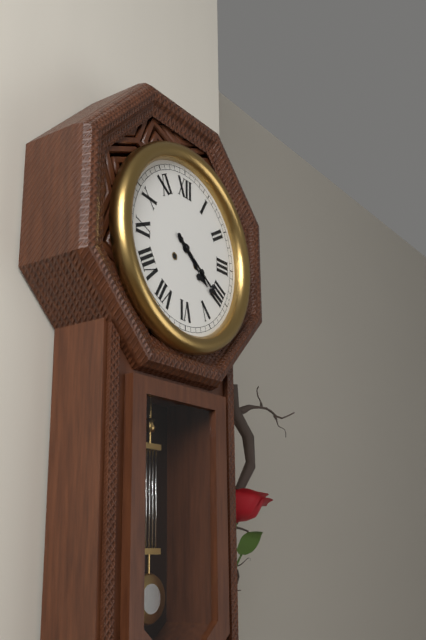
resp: 4h21
